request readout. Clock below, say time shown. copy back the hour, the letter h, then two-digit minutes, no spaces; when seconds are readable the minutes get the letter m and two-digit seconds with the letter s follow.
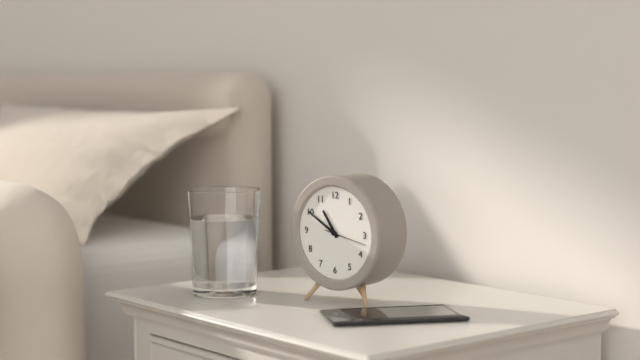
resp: 10h50
